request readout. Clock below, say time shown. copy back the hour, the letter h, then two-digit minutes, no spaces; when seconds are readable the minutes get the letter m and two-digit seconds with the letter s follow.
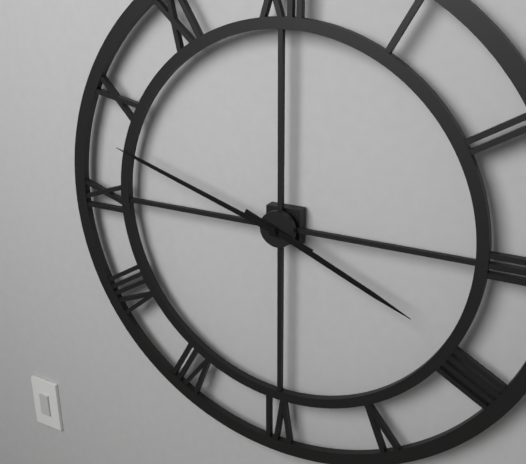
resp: 3h48
